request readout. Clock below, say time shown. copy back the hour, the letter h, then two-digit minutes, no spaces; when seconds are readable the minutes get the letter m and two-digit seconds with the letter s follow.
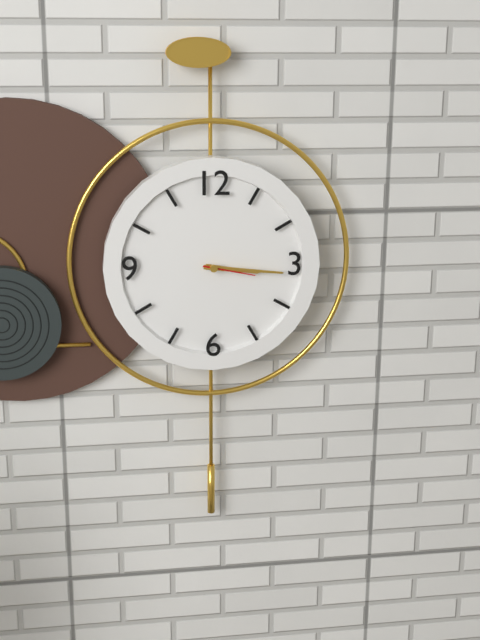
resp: 3h16m17s
